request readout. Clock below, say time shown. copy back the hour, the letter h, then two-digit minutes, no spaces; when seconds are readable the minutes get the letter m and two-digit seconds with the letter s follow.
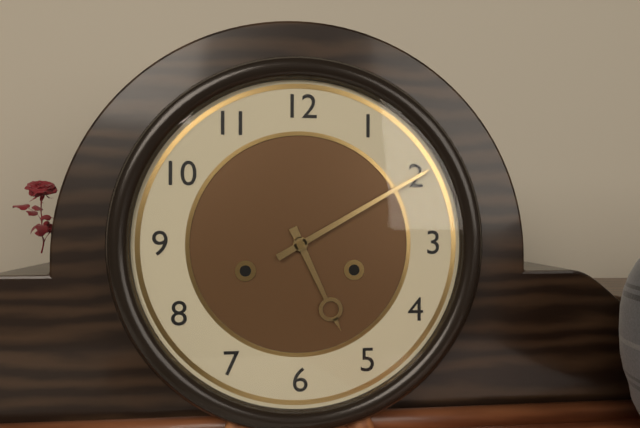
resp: 5h10
